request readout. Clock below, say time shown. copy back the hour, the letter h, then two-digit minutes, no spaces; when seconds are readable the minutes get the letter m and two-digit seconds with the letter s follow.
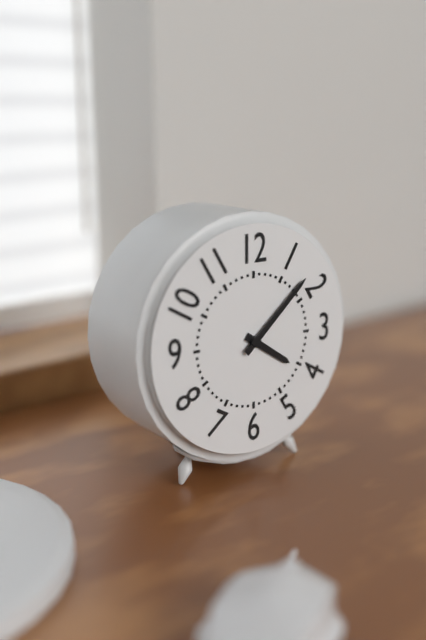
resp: 4h08
